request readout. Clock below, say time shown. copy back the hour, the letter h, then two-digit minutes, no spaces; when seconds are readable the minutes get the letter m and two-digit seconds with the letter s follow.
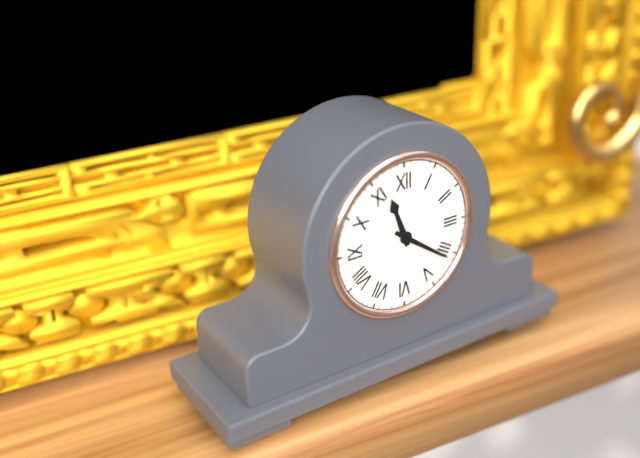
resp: 11h21
